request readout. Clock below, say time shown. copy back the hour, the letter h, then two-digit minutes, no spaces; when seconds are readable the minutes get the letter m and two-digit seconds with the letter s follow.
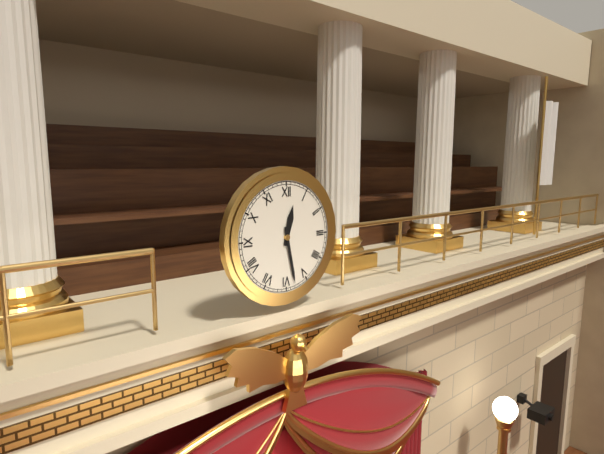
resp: 12h28
